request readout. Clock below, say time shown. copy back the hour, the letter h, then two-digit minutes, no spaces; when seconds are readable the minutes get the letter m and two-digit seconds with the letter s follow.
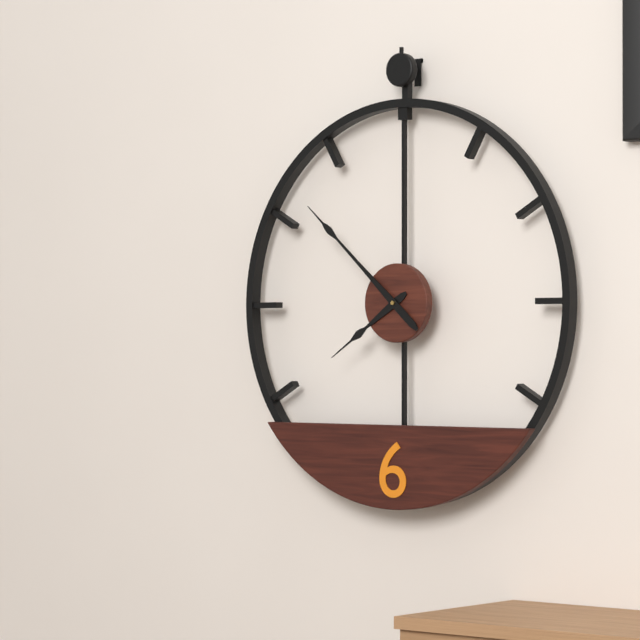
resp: 7h52
